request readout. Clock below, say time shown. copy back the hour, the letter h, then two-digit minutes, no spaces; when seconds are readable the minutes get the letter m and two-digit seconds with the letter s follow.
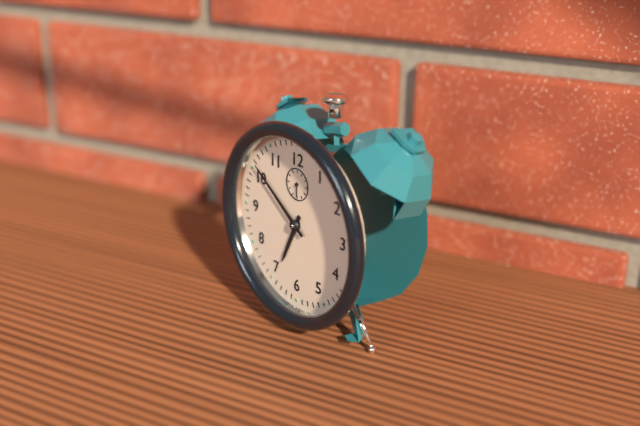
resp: 6h51
